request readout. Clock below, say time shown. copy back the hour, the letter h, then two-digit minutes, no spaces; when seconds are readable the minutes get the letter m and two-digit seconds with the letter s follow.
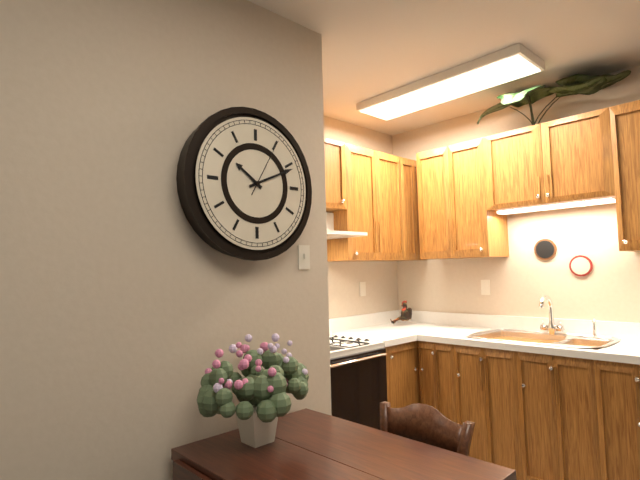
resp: 10h11m05s
